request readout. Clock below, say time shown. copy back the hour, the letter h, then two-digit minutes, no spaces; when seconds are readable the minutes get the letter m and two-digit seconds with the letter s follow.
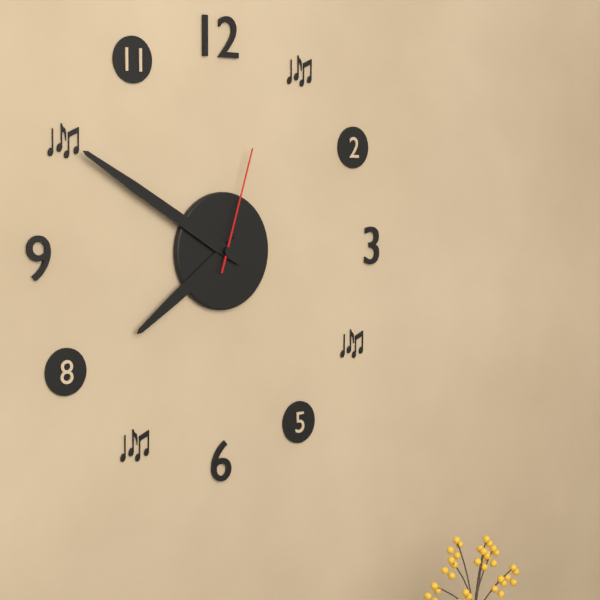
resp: 7h50m03s
